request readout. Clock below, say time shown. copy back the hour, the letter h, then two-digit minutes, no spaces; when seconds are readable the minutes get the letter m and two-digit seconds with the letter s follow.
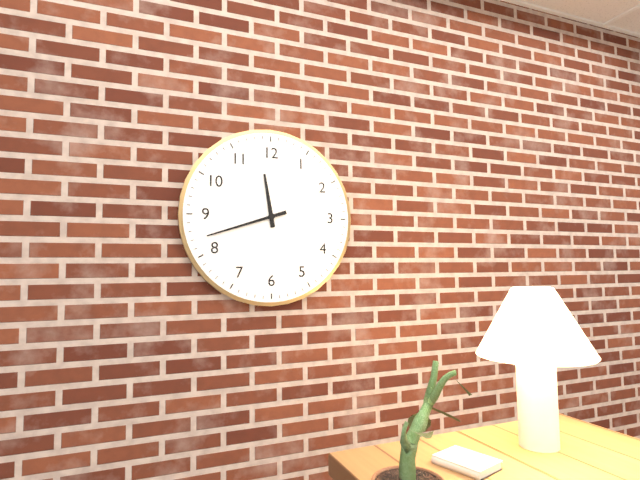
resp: 11h42
